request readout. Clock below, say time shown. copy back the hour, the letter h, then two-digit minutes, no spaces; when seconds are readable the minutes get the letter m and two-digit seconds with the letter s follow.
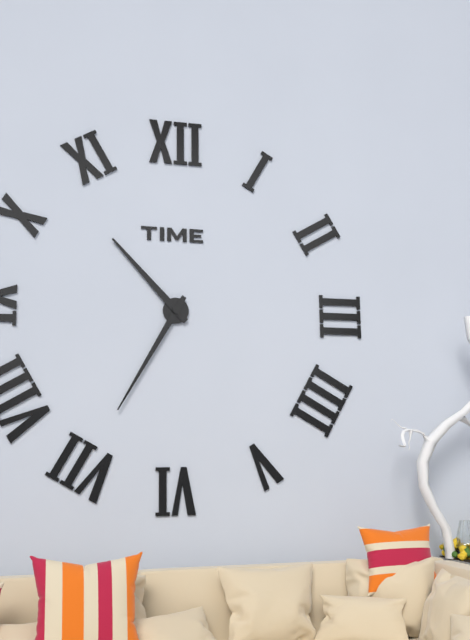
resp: 10h35
